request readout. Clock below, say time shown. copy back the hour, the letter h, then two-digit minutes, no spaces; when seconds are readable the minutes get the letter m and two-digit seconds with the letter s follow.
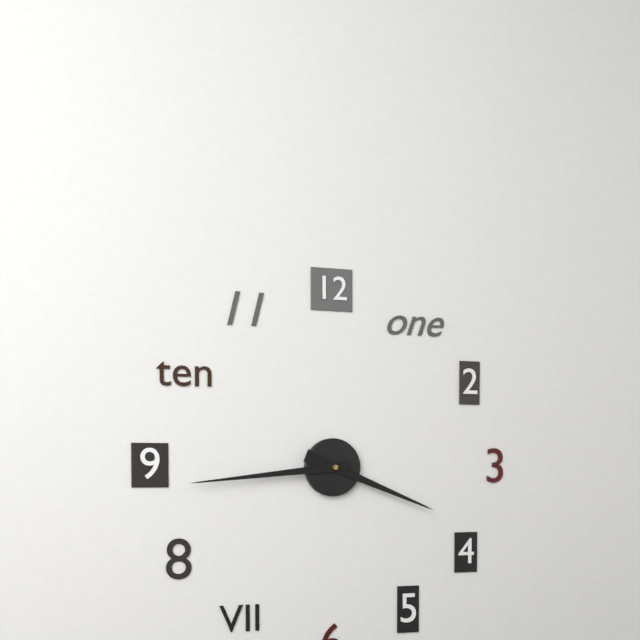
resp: 3h44
